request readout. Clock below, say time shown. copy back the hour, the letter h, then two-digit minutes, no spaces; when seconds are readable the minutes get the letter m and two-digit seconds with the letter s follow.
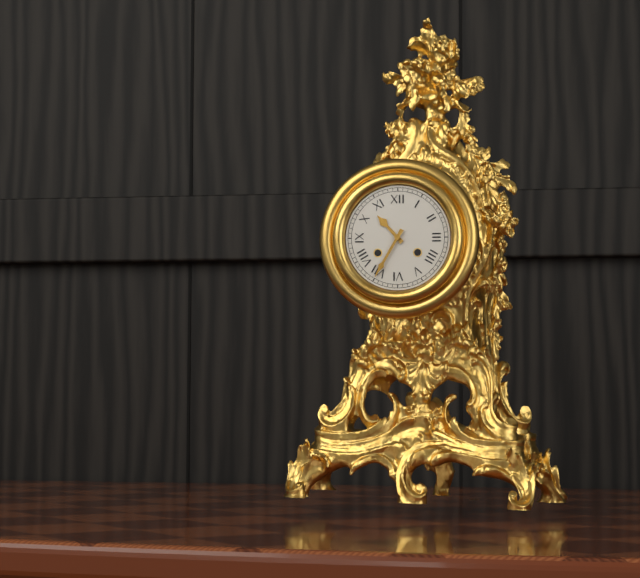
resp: 10h35
